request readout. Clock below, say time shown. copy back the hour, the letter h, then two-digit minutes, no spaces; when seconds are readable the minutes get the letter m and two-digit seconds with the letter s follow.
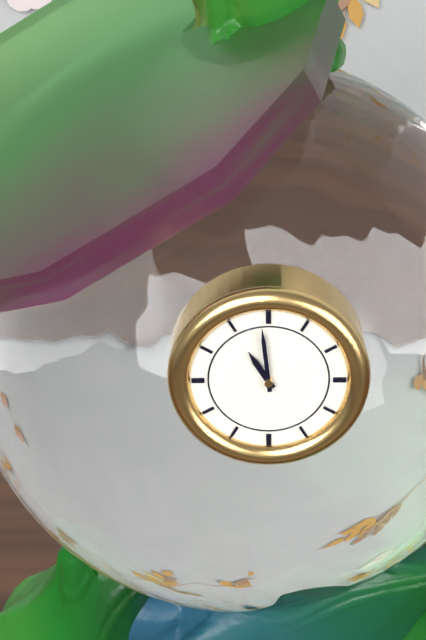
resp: 10h59
